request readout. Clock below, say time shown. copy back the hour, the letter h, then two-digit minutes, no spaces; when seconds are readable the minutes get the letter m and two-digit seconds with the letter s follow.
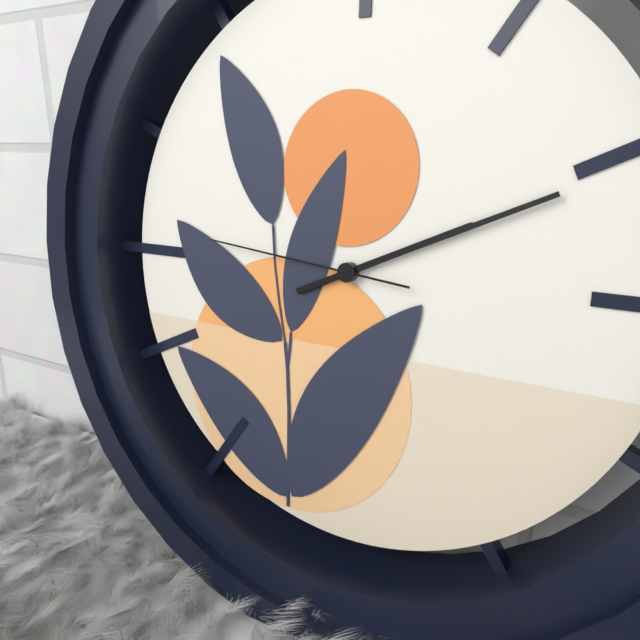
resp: 2h11m46s
